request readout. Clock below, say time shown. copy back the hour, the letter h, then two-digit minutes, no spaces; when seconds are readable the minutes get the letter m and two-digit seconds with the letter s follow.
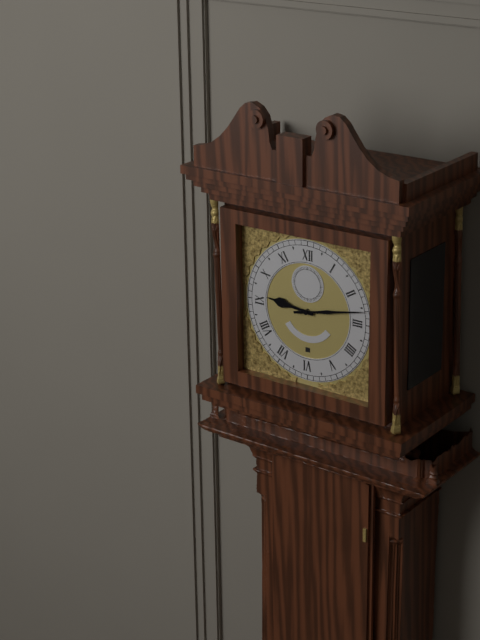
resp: 9h13
